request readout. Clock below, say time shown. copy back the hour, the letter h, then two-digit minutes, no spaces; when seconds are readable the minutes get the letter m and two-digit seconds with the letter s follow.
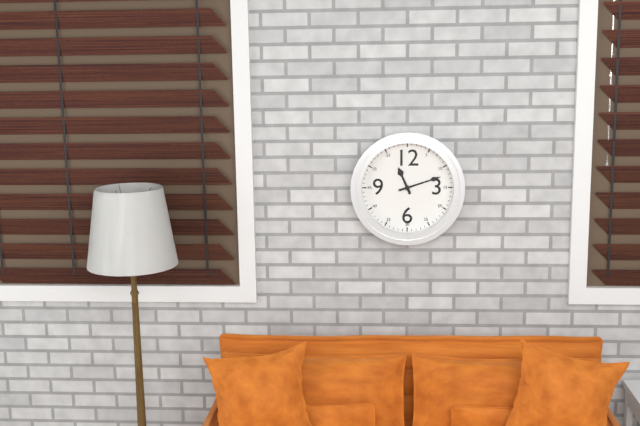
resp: 11h12
